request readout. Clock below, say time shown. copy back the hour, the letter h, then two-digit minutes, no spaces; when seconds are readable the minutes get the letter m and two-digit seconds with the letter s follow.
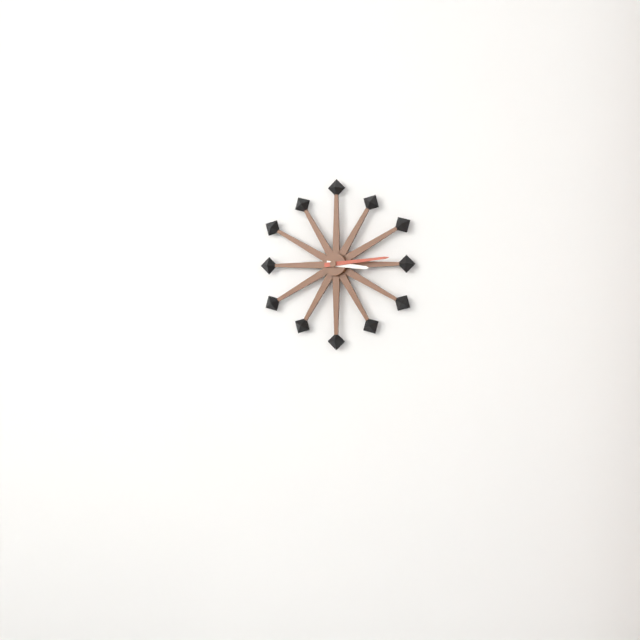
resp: 3h14
